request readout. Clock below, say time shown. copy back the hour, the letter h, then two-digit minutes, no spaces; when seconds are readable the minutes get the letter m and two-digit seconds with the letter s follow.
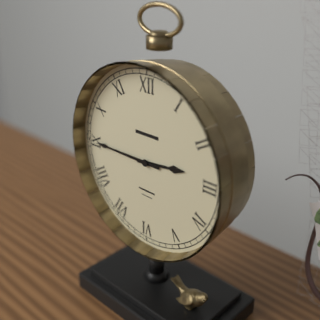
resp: 2h45
